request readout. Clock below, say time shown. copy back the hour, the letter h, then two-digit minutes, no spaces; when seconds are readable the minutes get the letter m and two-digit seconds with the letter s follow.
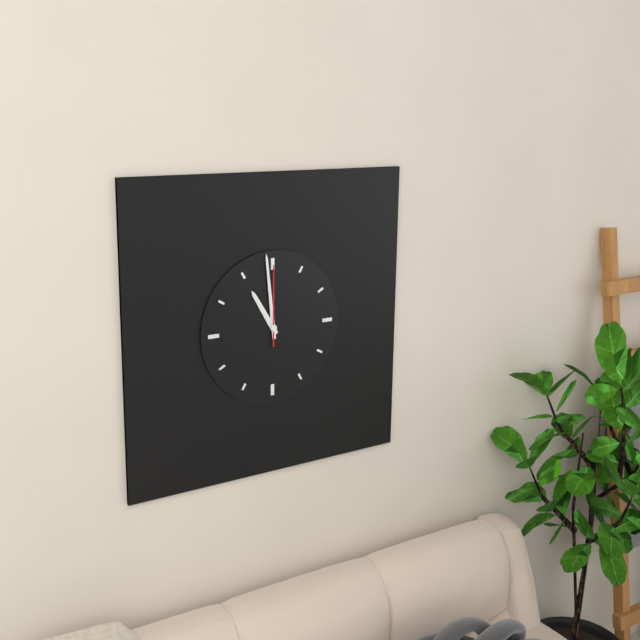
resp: 10h59m00s
